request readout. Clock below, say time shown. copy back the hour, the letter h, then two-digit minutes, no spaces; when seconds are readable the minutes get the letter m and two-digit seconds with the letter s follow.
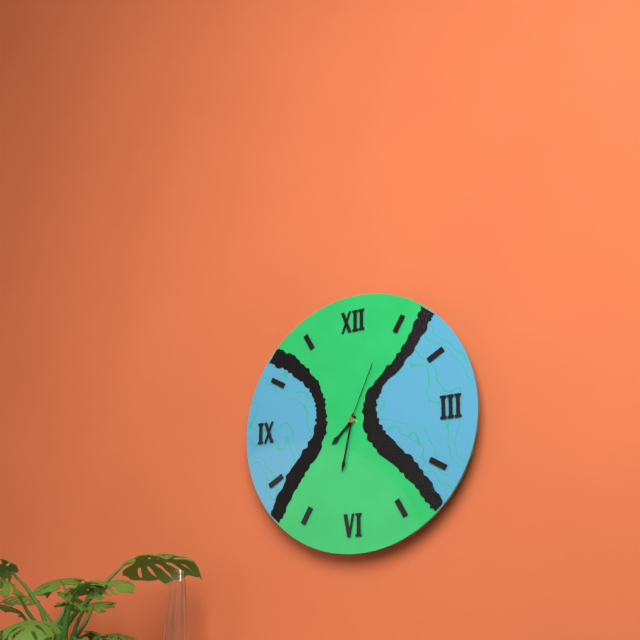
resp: 7h32m04s
